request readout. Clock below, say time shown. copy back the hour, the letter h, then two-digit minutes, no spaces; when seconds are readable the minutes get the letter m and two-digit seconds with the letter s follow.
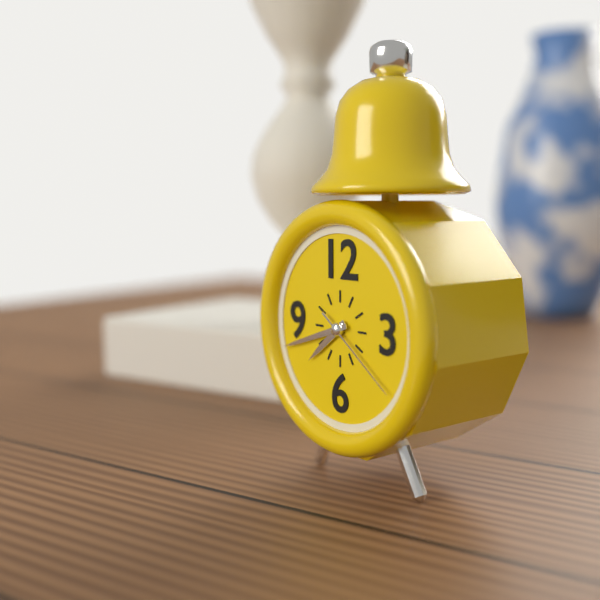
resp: 7h42m21s
